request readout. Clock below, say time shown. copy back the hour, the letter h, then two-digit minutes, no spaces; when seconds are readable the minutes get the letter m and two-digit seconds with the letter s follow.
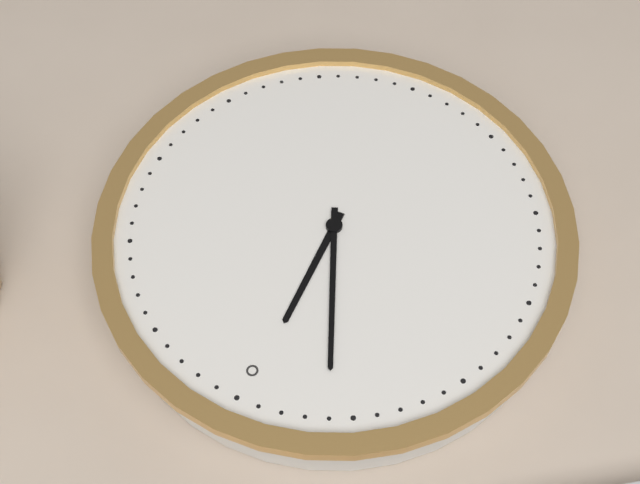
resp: 11h56
